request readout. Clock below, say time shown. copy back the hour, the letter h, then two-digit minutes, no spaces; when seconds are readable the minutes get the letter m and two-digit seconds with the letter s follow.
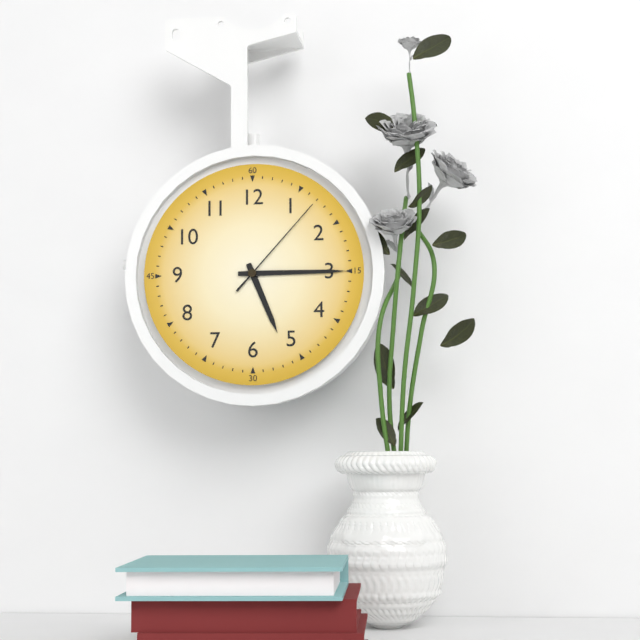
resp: 5h15m07s
